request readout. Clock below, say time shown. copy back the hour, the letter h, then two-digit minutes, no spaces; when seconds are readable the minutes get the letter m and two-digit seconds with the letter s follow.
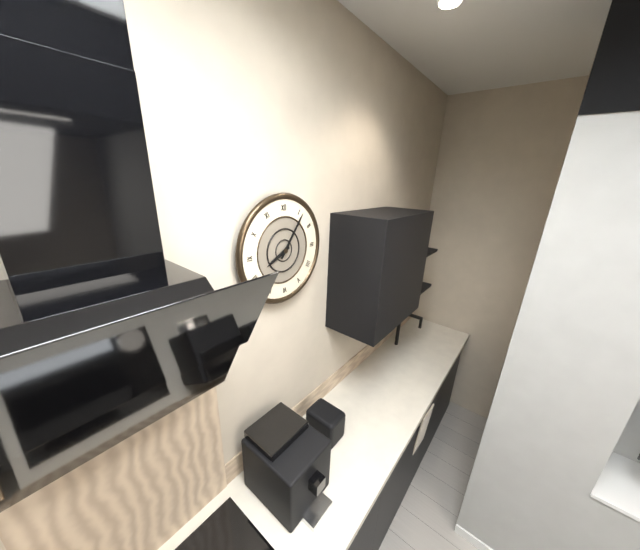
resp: 8h06
